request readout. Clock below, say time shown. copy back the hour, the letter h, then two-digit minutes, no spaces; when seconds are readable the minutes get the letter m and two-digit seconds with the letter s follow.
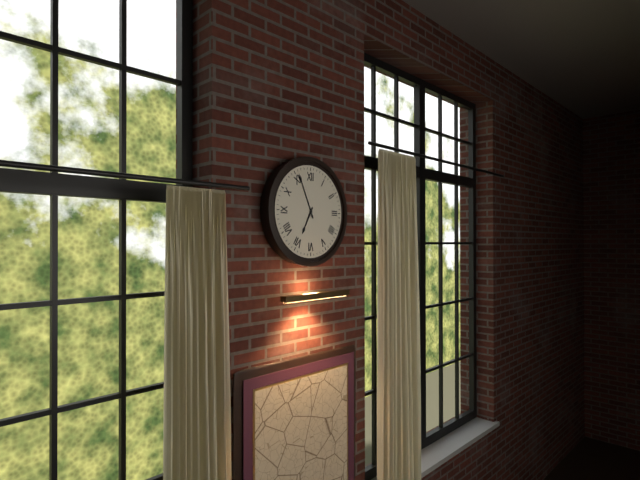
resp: 6h56
